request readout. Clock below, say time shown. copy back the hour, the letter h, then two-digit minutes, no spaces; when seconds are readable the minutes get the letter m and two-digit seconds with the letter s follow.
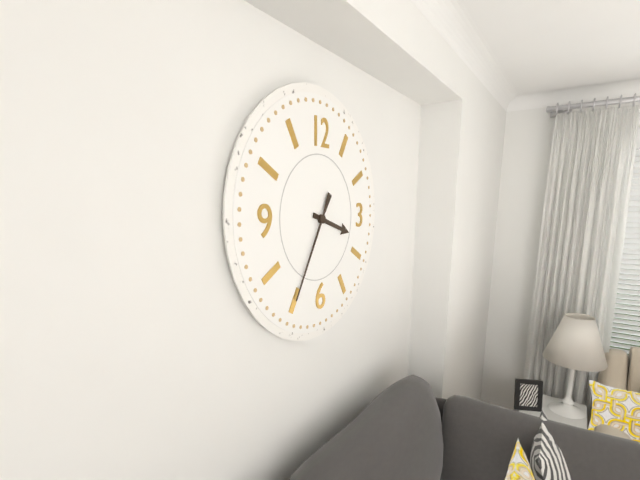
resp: 3h35
